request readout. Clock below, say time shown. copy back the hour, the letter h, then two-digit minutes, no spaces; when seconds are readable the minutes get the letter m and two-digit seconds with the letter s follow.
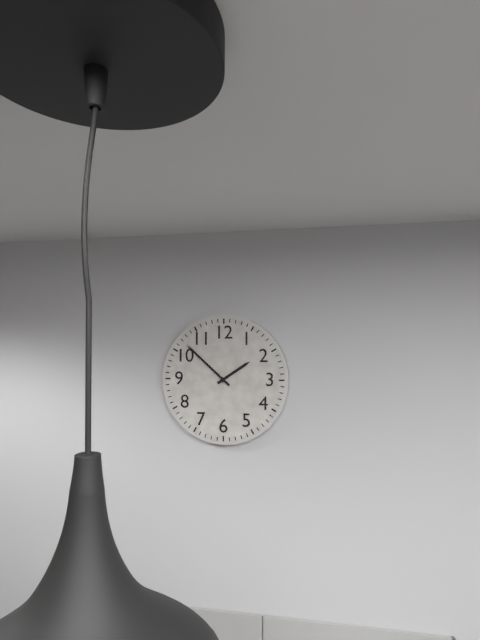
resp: 1h52
